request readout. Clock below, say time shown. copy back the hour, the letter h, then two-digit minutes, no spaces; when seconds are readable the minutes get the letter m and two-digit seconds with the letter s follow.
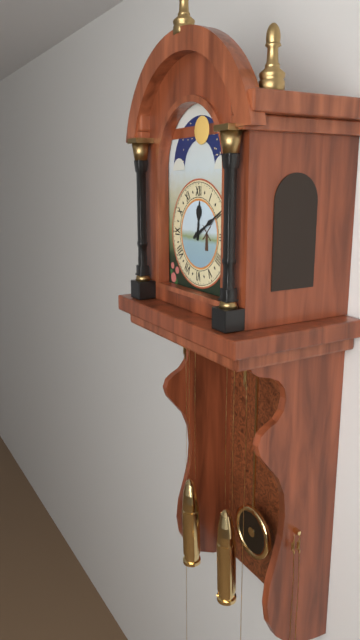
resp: 12h10
